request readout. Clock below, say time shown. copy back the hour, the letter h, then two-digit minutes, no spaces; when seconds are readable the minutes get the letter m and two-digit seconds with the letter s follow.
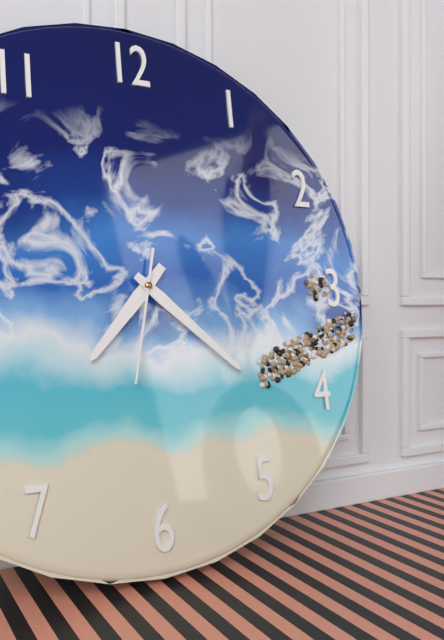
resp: 7h22m32s
